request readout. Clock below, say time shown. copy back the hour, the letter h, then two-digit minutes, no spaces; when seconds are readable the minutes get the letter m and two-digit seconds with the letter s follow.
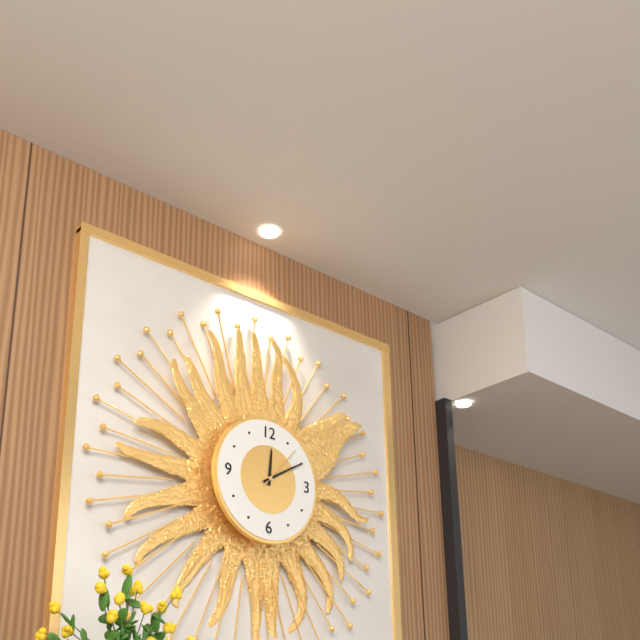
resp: 12h10
